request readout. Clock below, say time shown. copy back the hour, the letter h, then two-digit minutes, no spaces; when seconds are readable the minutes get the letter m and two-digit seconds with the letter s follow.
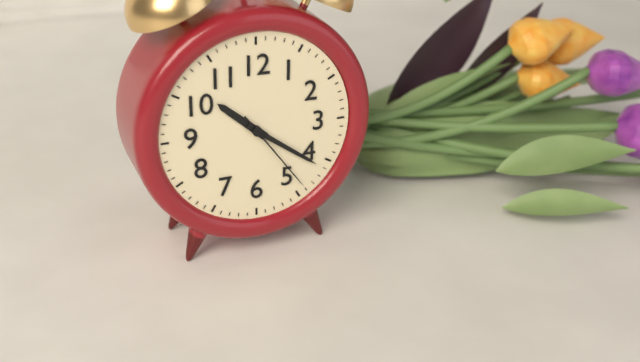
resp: 10h21m24s
